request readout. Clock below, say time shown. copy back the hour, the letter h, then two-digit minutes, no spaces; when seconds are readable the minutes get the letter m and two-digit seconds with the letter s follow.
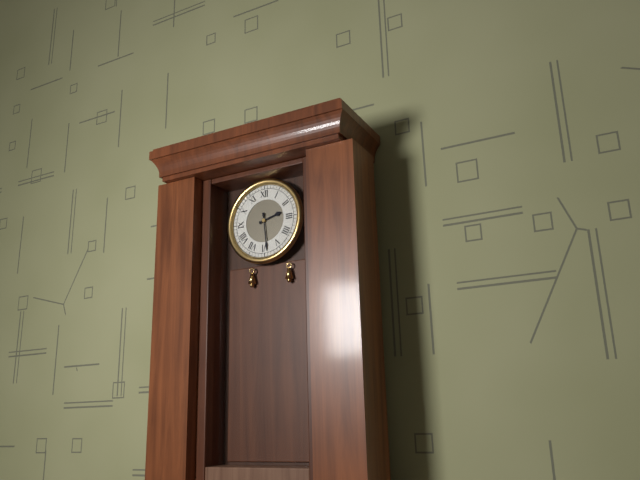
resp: 2h29
